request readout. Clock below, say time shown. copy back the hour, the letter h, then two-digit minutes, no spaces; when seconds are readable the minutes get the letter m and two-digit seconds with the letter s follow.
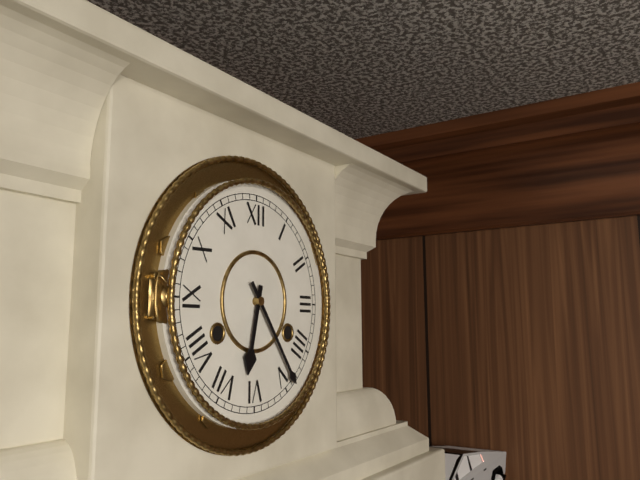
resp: 6h24
